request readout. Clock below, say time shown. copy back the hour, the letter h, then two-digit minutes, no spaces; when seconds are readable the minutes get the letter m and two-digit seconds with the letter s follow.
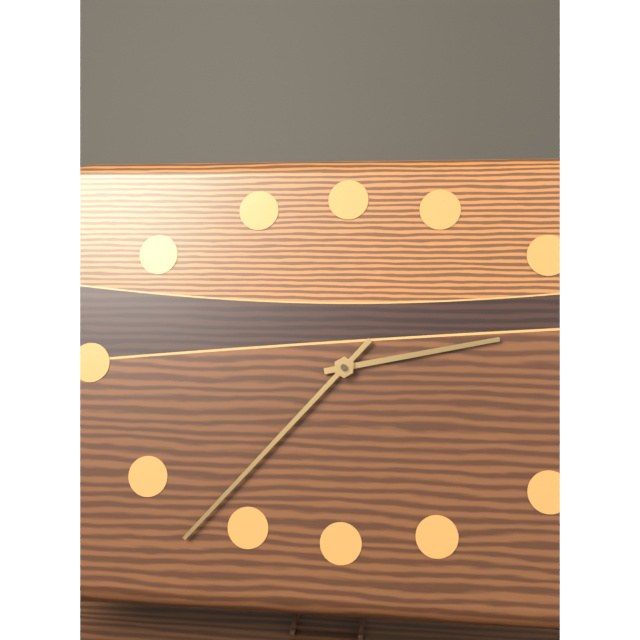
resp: 2h37
